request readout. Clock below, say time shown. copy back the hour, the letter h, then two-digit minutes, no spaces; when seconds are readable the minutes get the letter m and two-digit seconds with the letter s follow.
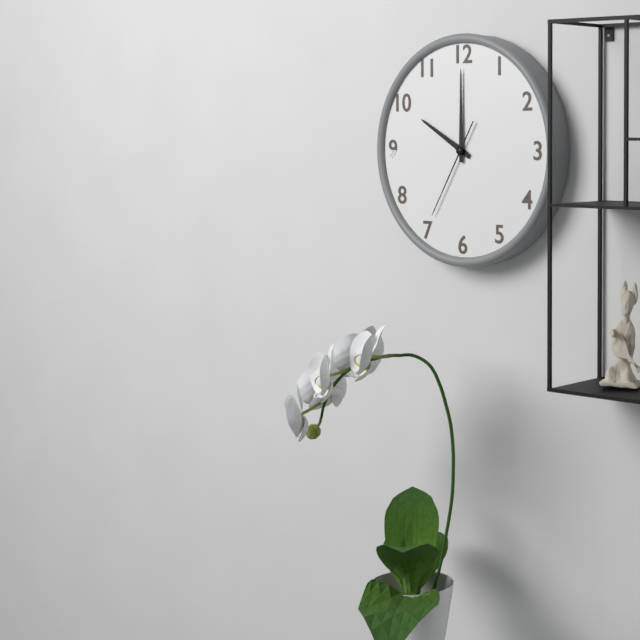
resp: 10h00m35s
